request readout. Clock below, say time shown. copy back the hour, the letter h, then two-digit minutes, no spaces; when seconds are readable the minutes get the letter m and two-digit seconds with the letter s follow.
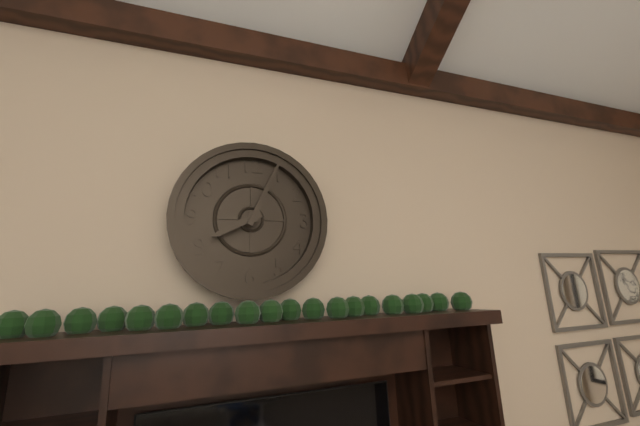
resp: 8h04
